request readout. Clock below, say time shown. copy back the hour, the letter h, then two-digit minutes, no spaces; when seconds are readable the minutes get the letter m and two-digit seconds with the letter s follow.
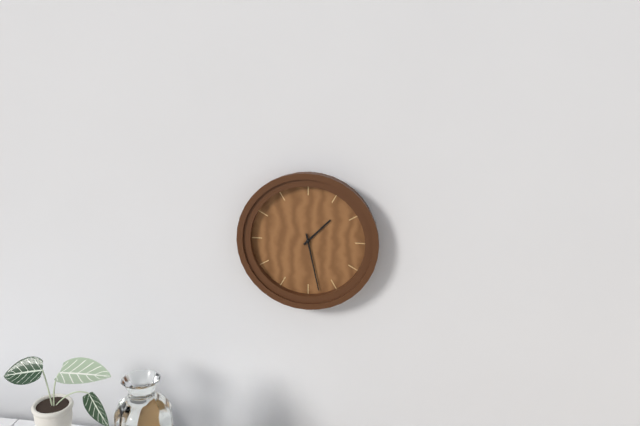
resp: 1h28
